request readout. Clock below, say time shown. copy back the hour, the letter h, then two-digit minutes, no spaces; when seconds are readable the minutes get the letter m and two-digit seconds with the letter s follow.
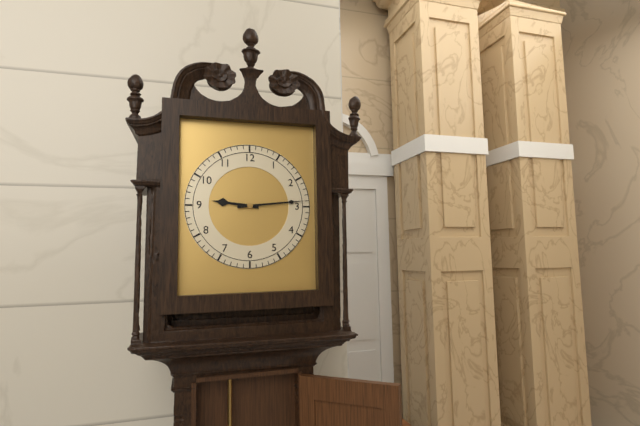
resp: 9h14
